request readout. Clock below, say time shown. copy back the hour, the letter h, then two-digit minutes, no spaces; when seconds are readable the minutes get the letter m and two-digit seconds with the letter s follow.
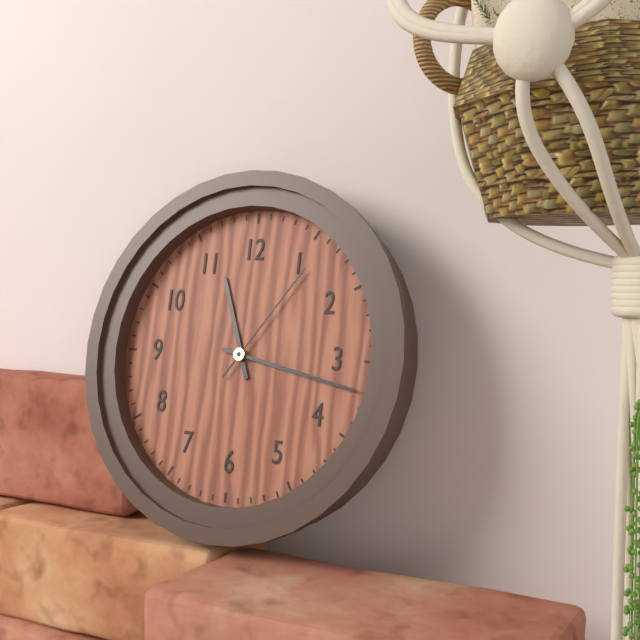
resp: 11h17m06s
